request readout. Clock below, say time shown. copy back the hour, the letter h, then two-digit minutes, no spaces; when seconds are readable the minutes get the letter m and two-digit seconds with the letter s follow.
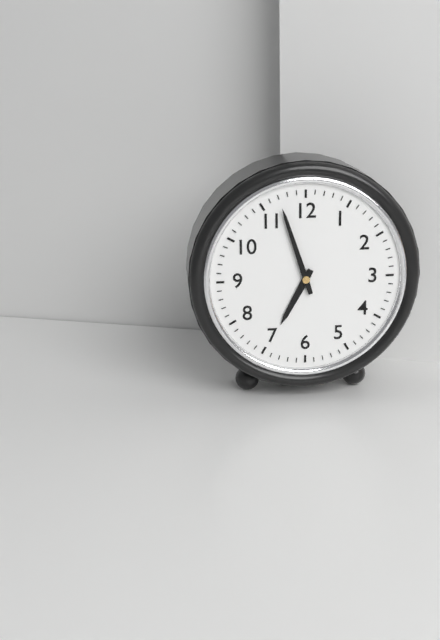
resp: 6h57
